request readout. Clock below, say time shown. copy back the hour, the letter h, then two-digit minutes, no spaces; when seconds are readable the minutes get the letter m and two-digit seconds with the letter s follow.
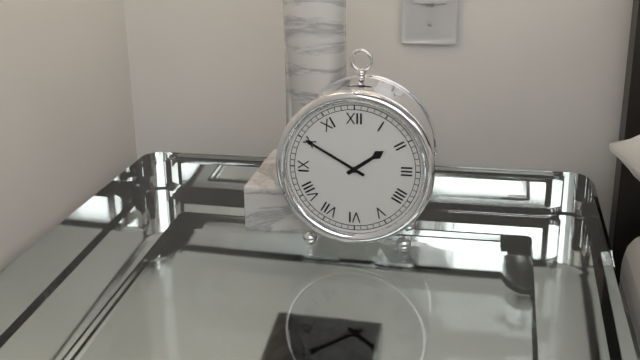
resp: 1h50
